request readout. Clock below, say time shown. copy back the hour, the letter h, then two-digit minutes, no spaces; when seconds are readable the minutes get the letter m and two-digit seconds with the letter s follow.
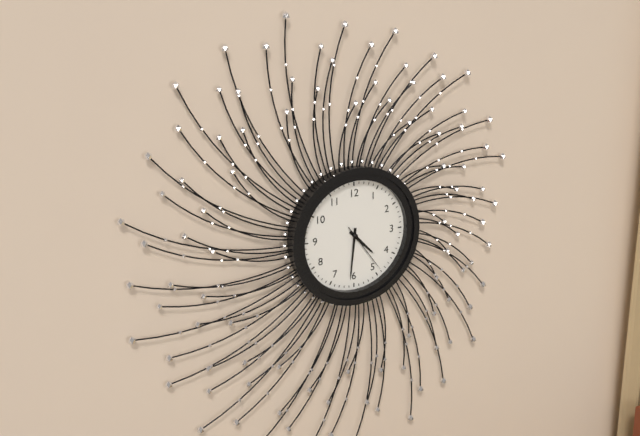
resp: 4h31m24s
